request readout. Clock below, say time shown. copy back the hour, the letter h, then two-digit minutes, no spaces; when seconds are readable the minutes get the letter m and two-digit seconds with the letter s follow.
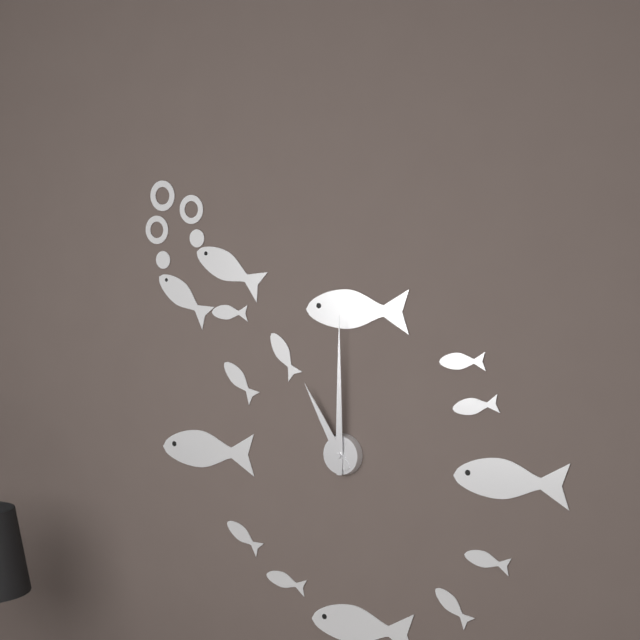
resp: 11h00
